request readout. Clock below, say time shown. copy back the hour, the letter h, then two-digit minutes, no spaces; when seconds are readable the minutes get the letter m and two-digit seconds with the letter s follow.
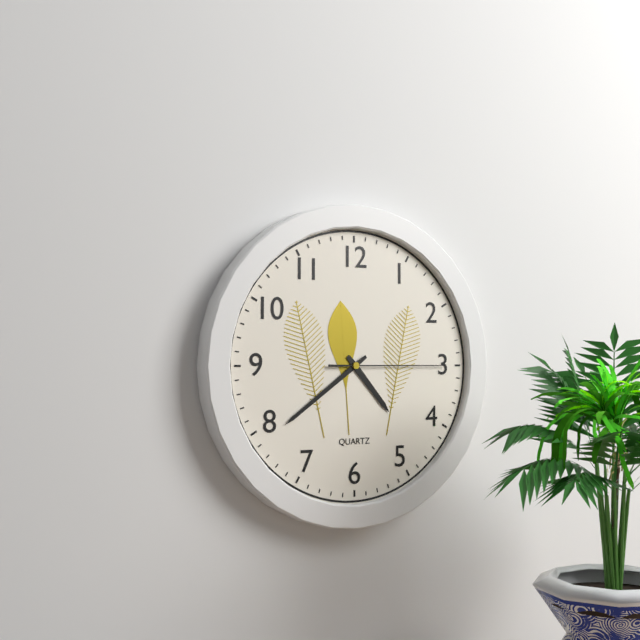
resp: 4h39m15s
